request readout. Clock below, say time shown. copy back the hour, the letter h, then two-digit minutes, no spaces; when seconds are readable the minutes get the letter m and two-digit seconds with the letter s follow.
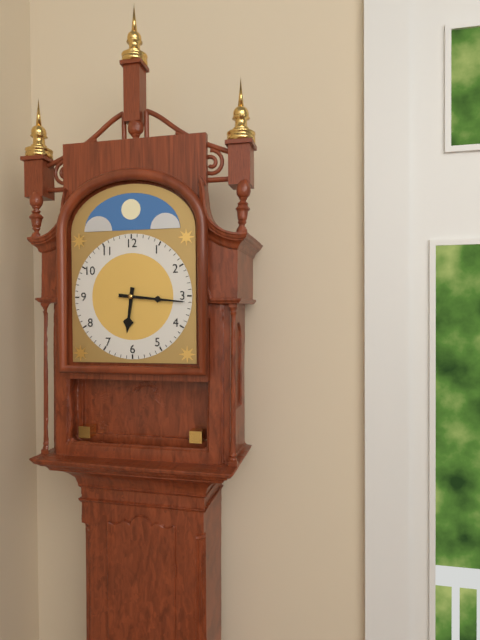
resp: 6h16
